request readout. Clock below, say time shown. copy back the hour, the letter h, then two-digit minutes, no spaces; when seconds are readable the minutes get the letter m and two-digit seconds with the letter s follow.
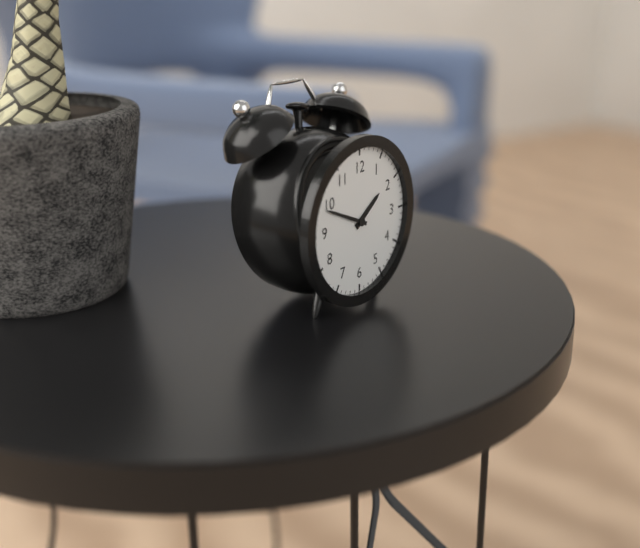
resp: 1h49
